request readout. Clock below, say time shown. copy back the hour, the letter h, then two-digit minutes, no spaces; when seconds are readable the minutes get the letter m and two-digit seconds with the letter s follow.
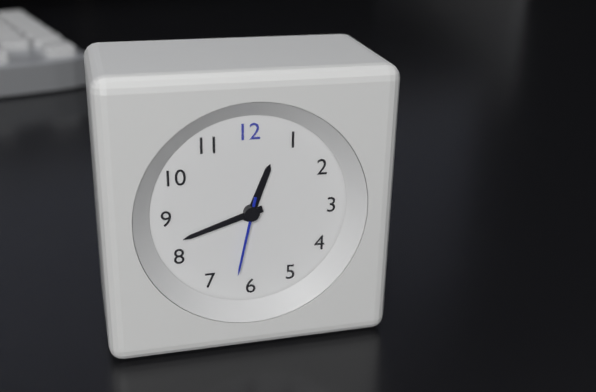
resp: 12h42m32s
